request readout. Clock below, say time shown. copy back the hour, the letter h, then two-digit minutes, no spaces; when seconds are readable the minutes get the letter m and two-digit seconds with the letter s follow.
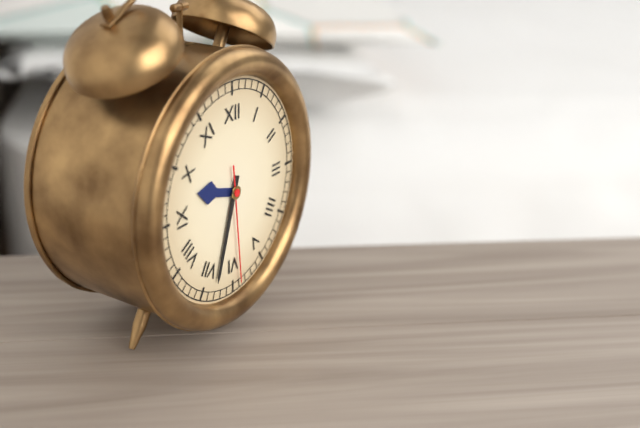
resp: 9h33m29s
